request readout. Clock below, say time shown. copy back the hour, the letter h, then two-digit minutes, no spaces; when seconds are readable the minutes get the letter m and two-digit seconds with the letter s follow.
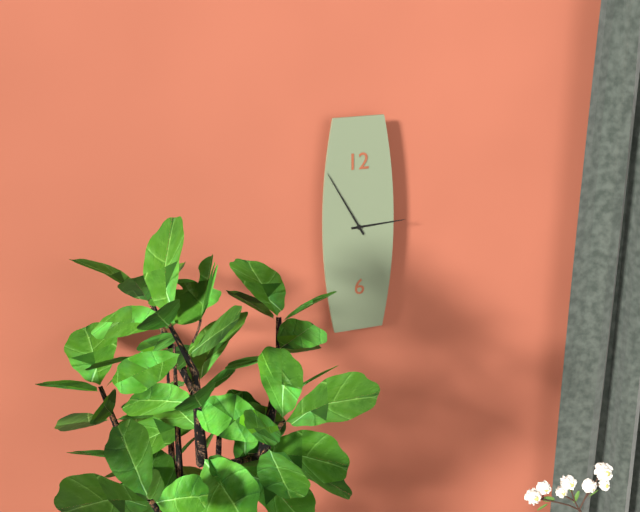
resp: 2h55
